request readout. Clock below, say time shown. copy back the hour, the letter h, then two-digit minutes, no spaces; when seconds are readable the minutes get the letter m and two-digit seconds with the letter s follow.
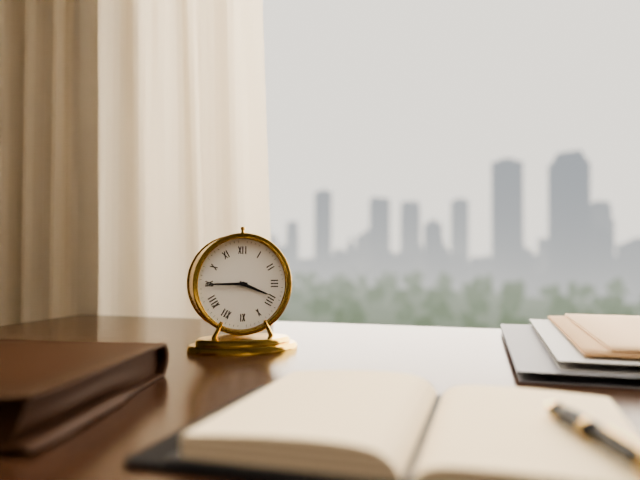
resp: 3h45
